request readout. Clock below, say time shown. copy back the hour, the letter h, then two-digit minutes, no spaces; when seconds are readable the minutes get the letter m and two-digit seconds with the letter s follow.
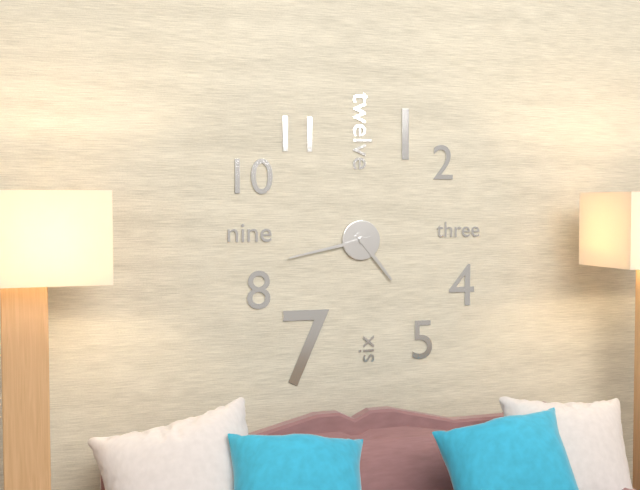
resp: 4h43
